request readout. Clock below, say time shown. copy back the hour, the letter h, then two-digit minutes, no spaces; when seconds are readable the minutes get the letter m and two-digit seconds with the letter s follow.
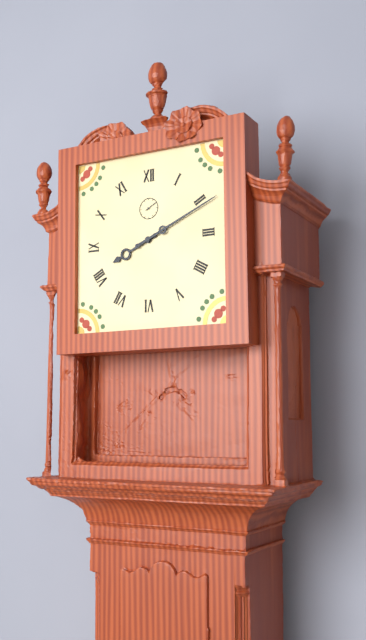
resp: 8h11
